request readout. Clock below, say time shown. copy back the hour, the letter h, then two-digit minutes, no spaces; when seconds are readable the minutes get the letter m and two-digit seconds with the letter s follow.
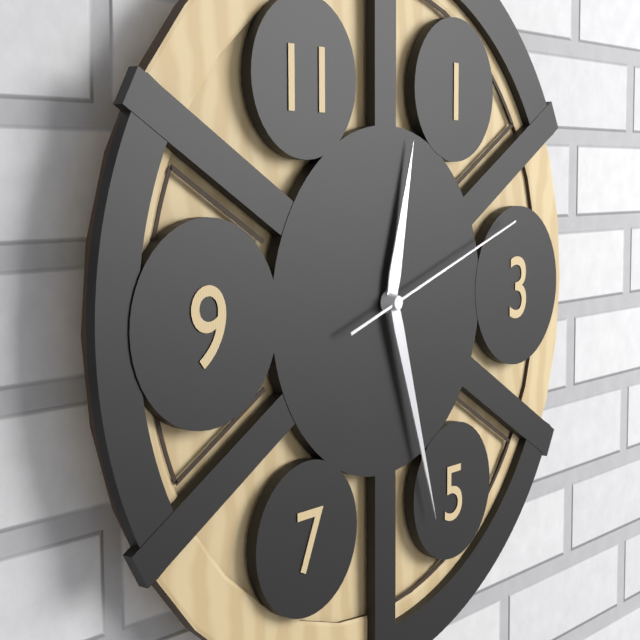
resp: 12h27m12s
